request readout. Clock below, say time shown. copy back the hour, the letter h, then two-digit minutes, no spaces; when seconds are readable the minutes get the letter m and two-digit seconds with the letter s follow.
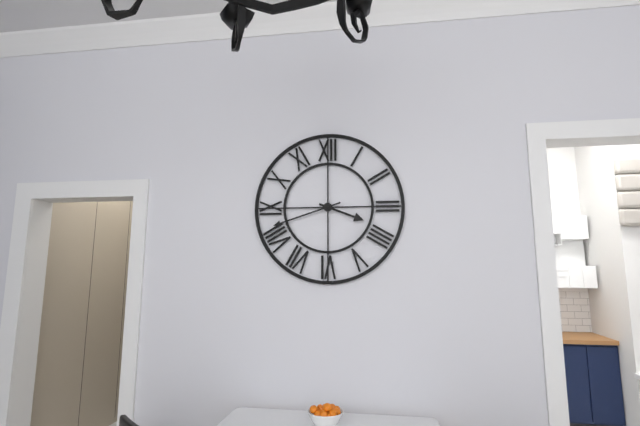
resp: 3h42
